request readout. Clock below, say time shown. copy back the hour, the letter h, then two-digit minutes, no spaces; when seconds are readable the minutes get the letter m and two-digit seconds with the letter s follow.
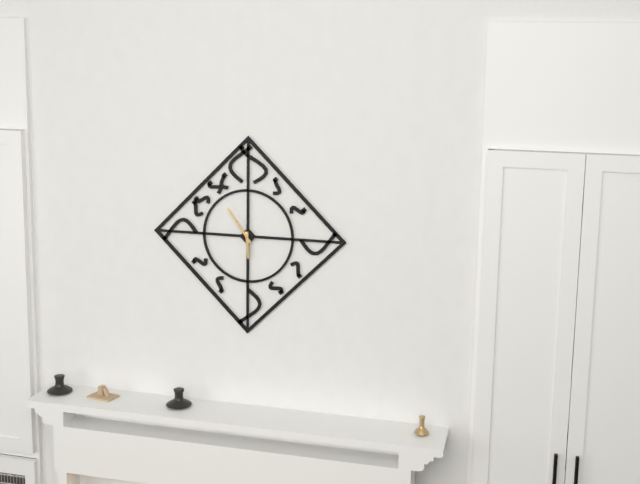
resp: 5h54
